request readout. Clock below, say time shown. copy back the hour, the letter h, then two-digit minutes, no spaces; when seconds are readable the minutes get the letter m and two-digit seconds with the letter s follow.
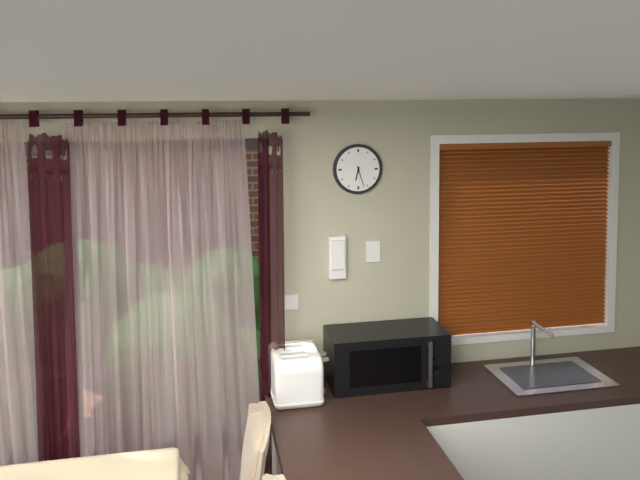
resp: 6h27
